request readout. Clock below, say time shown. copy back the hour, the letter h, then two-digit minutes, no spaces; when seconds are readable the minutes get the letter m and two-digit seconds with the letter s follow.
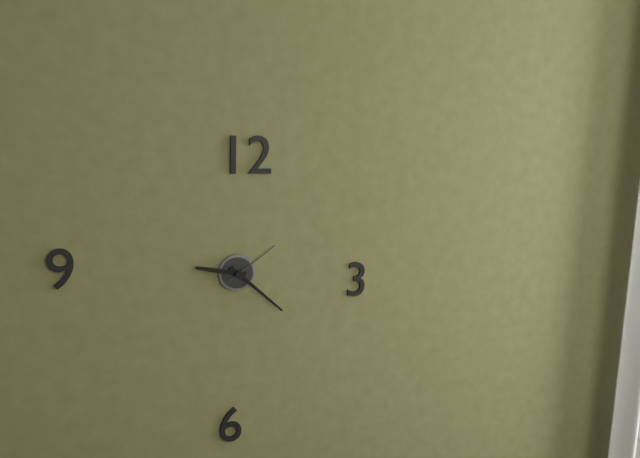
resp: 9h22m09s
